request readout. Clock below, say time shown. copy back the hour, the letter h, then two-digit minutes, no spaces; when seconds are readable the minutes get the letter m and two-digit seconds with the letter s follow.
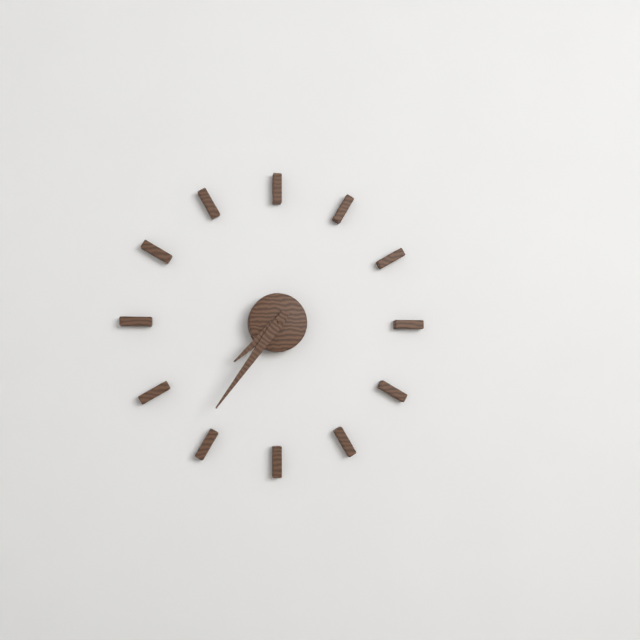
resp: 7h36
